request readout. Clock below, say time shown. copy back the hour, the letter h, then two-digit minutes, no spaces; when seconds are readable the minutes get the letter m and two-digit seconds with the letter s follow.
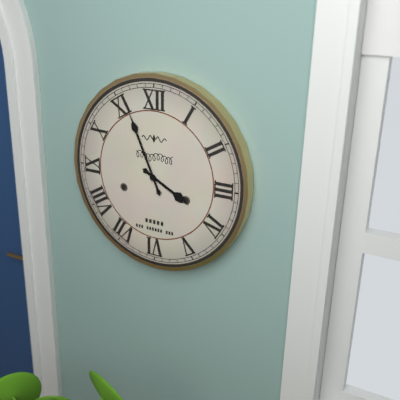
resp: 3h56
